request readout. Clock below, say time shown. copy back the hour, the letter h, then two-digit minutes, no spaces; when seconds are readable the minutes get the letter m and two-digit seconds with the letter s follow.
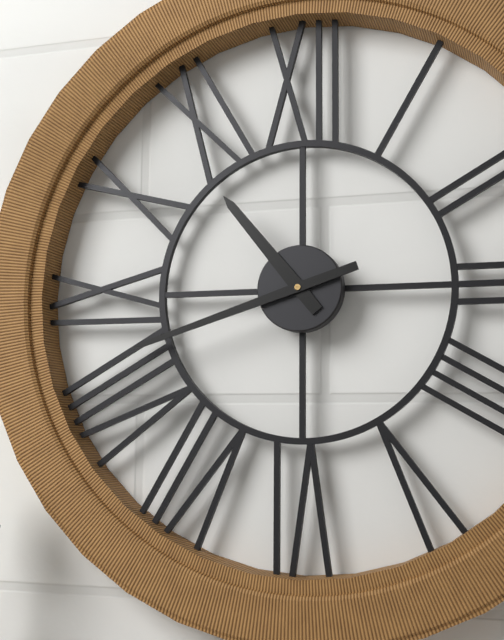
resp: 10h42
